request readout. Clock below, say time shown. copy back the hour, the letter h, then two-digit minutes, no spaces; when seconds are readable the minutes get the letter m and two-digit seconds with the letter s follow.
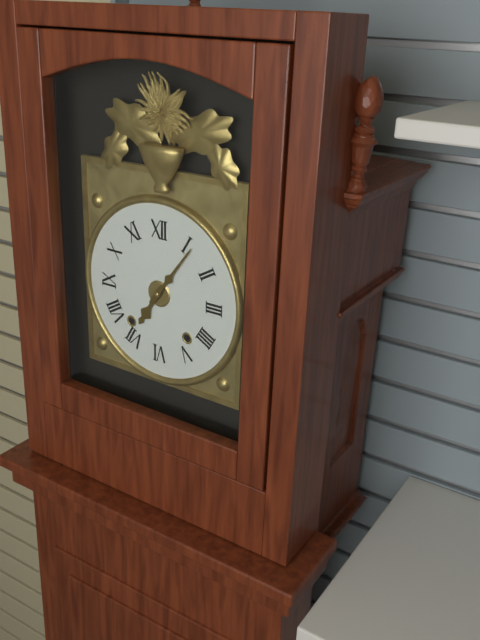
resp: 7h06
